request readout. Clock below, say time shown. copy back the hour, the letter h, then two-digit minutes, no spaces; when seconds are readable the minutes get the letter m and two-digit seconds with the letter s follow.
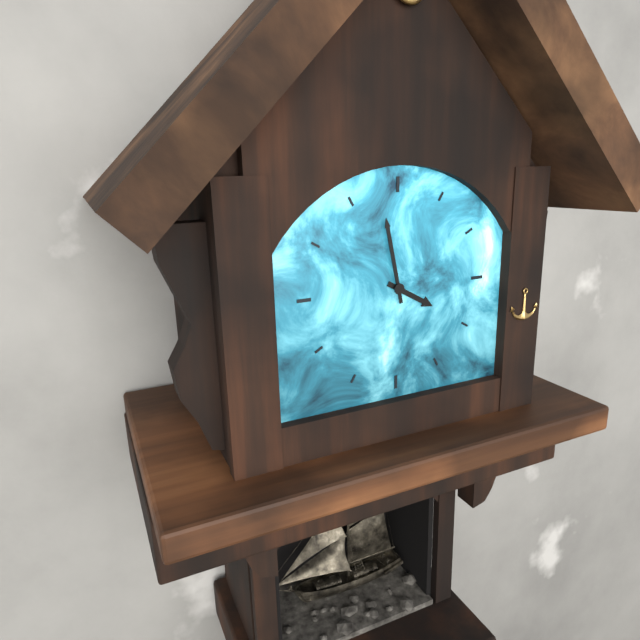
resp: 3h58
